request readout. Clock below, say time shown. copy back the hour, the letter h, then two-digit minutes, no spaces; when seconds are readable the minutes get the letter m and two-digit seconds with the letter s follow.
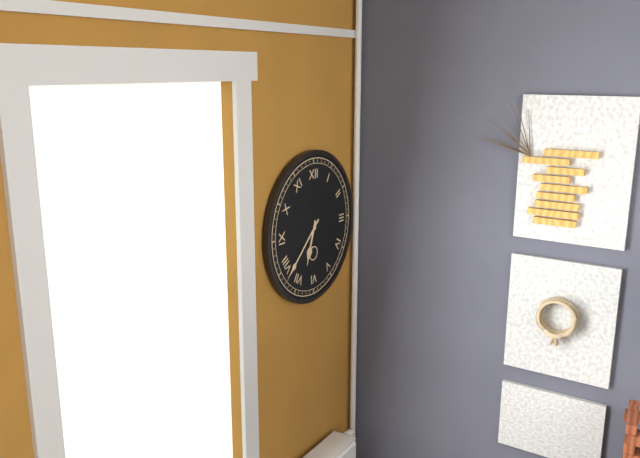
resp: 6h38
